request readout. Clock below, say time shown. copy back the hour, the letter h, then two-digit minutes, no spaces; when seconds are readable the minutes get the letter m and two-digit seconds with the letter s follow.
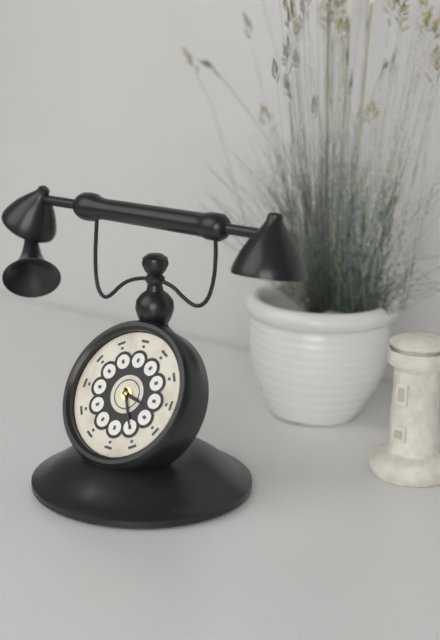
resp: 3h25
